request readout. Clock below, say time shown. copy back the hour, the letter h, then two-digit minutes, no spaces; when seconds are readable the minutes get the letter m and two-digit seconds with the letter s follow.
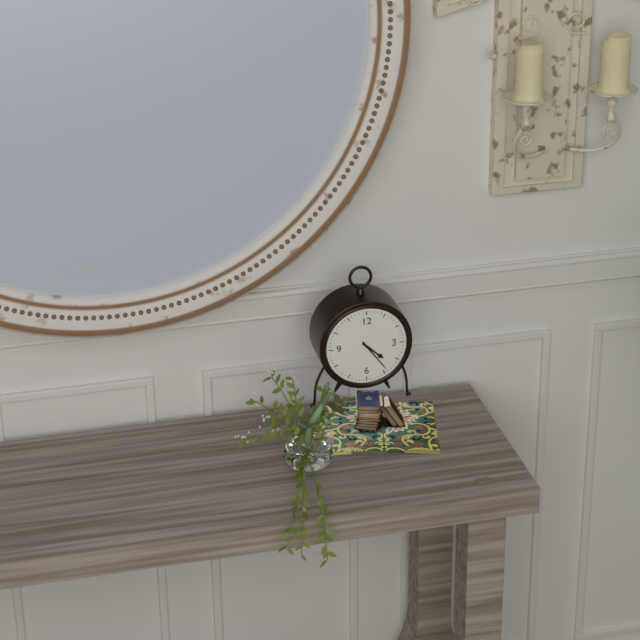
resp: 4h24
